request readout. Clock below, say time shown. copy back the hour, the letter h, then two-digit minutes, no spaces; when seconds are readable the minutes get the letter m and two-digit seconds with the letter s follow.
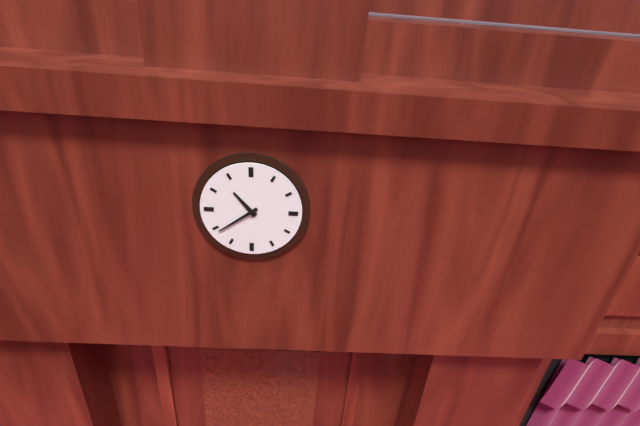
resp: 10h39
